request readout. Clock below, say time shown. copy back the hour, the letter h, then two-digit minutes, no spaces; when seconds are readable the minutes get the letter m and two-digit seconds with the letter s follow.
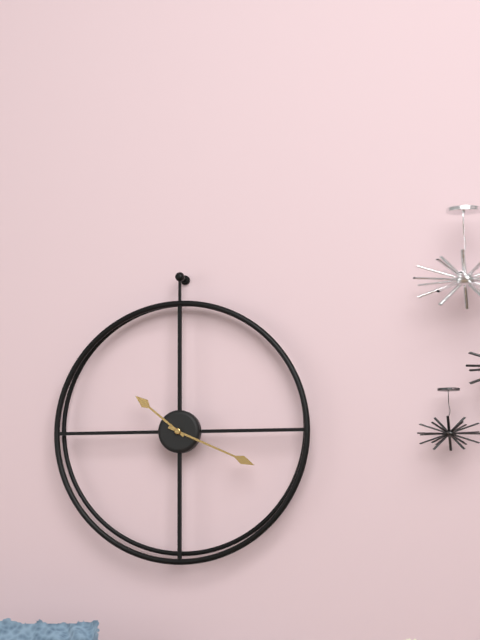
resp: 10h19
